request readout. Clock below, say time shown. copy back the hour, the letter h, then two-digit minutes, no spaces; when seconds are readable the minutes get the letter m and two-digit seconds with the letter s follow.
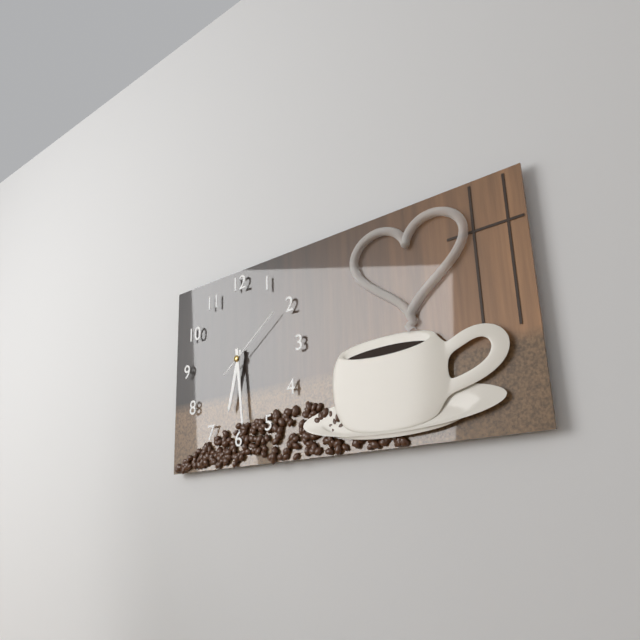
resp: 6h29m09s
